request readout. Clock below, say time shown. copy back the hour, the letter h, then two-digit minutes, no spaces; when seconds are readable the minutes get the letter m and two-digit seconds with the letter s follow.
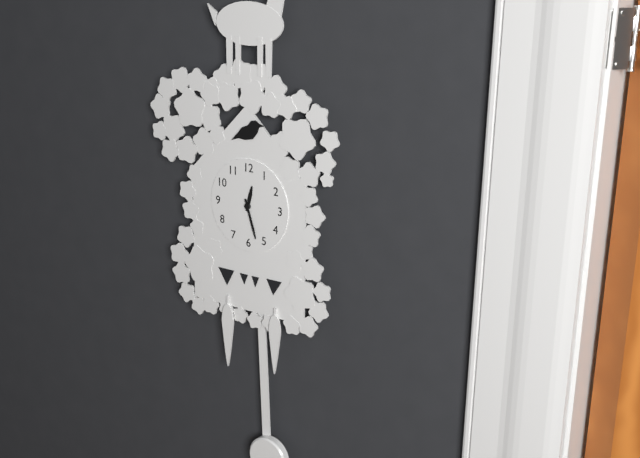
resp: 12h27
